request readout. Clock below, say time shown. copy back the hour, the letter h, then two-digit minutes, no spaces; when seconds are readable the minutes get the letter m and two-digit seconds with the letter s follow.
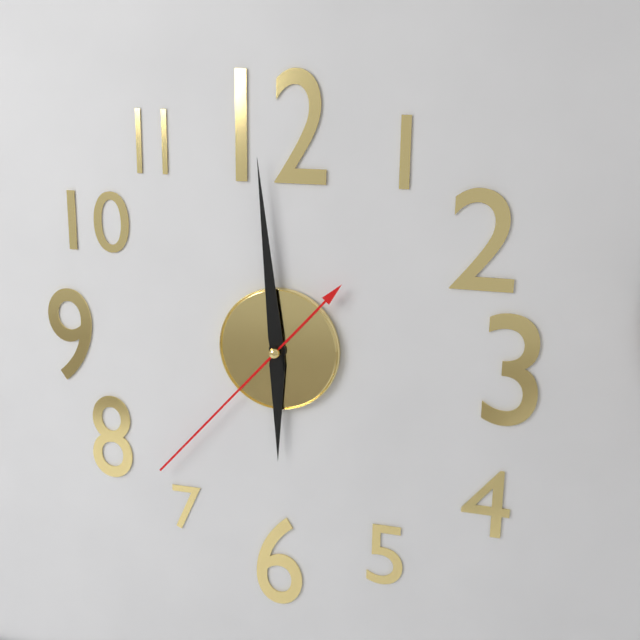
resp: 5h59m37s
